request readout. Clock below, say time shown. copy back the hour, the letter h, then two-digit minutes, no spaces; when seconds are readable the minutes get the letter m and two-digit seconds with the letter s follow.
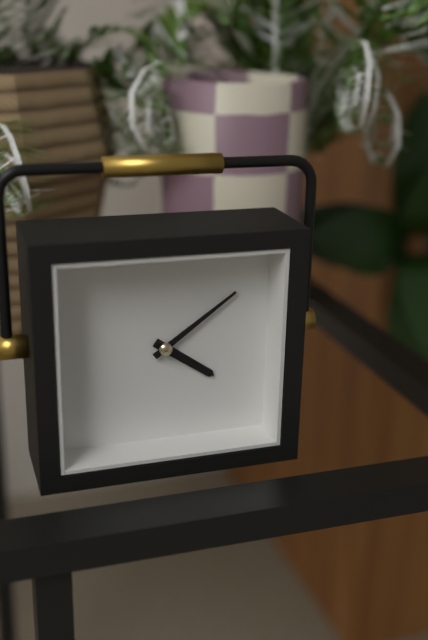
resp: 4h09
